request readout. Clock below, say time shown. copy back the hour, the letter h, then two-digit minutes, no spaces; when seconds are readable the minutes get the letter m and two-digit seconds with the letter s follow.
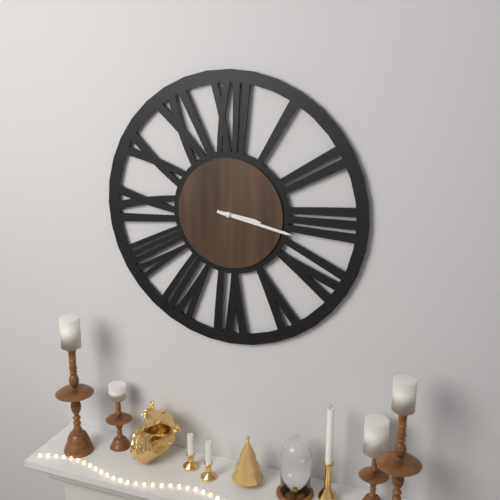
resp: 3h17
